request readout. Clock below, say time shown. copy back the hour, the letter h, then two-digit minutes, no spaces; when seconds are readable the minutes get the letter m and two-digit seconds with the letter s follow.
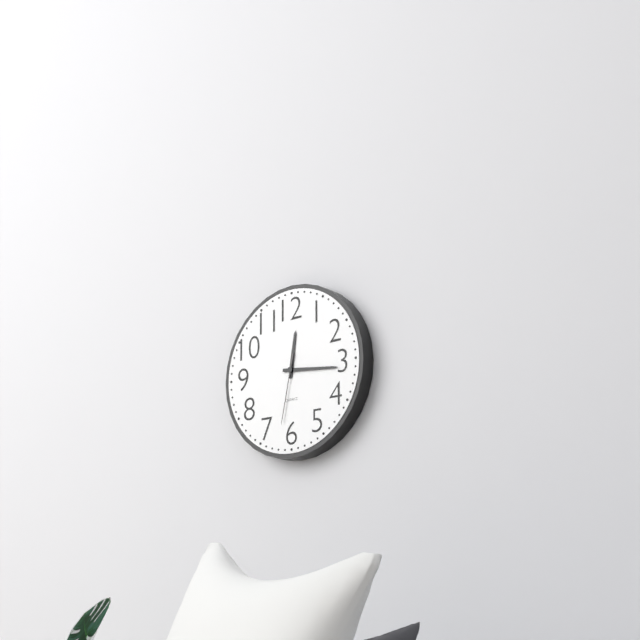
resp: 12h16m32s
